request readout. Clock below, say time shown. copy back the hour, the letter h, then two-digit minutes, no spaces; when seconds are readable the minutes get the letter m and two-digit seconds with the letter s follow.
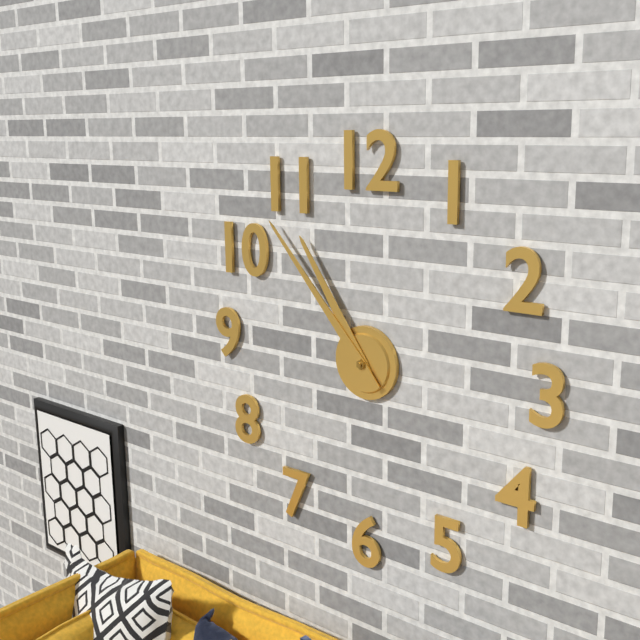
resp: 10h53
